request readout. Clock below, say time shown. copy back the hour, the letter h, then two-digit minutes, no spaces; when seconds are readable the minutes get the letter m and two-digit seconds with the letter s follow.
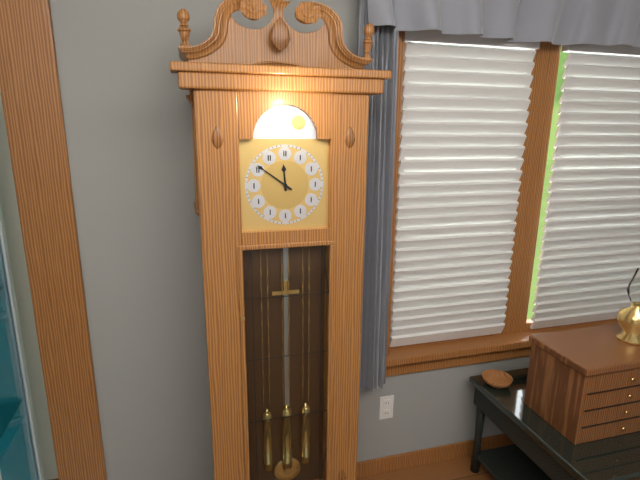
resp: 11h51
